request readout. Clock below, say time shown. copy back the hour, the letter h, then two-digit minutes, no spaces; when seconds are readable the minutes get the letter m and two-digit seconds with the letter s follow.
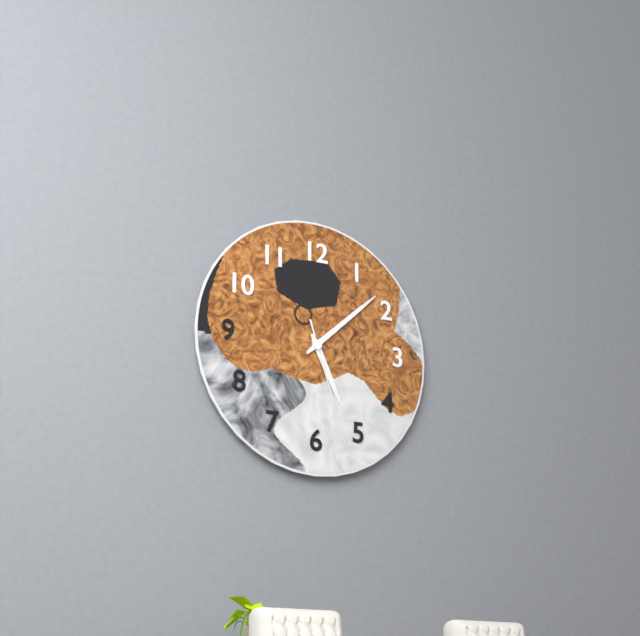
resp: 5h08m27s
